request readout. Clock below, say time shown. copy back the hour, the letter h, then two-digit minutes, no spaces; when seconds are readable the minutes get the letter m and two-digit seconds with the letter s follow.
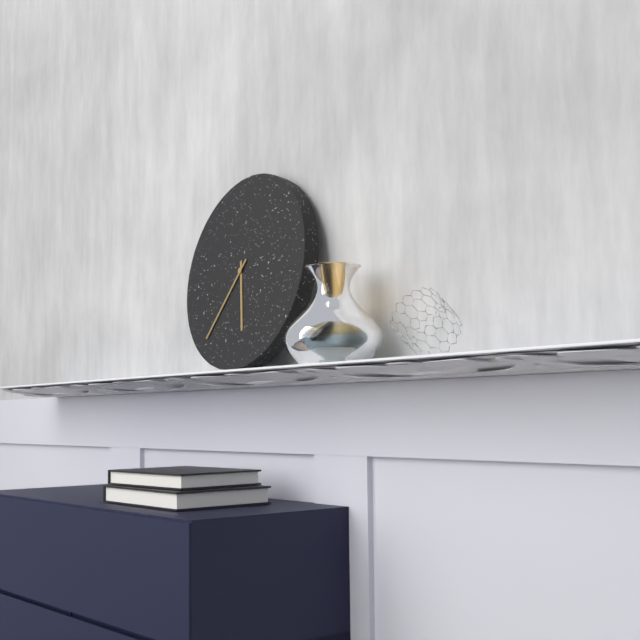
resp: 5h36
